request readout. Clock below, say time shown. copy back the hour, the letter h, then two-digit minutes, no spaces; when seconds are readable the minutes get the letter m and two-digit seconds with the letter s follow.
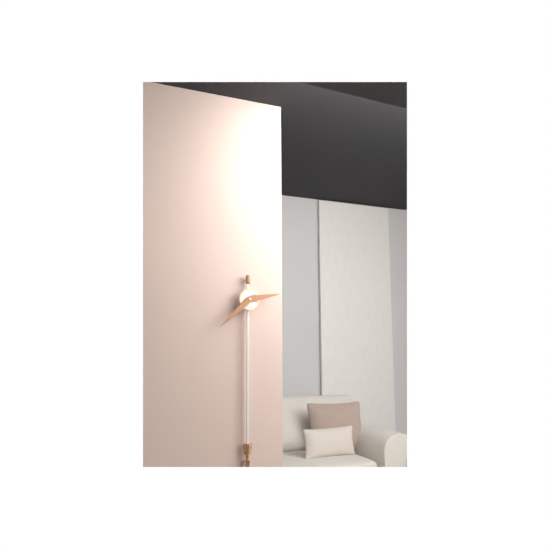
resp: 2h38
